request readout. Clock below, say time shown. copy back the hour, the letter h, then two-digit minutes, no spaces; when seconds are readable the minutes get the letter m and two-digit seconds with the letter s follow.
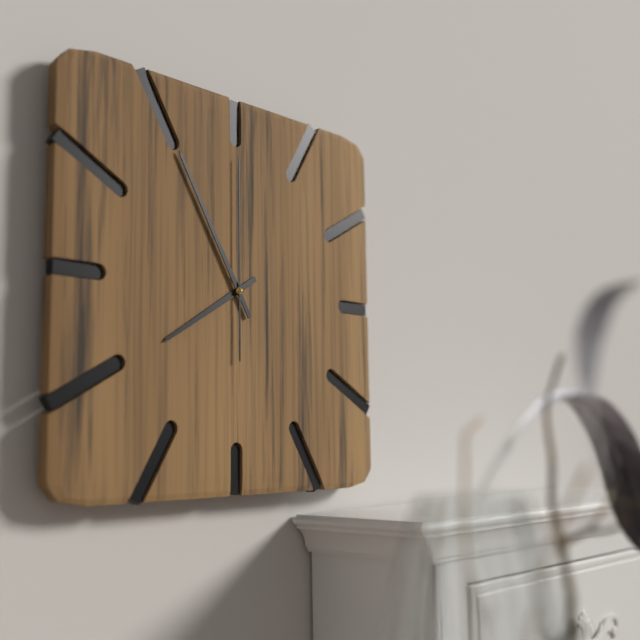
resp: 7h55m00s
